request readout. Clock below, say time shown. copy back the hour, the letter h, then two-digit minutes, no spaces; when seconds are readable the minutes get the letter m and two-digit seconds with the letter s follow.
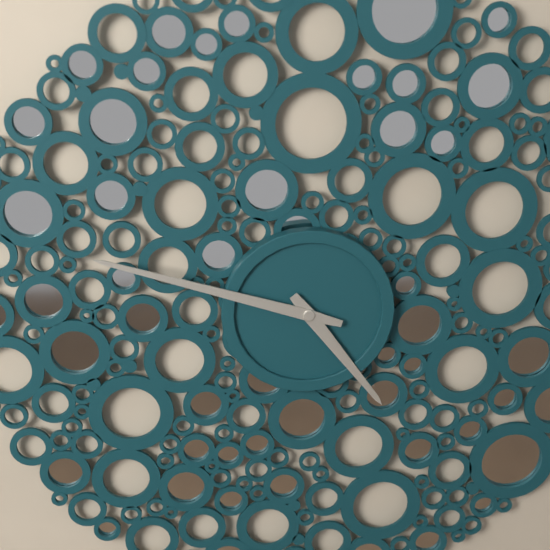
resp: 4h48
